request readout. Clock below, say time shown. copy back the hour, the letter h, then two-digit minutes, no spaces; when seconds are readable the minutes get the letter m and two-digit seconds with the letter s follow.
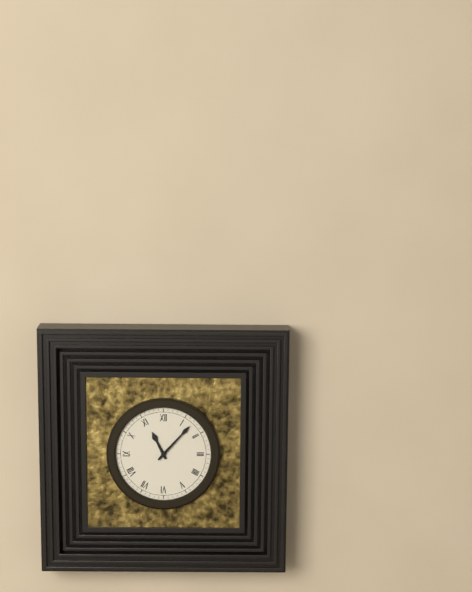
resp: 11h07
